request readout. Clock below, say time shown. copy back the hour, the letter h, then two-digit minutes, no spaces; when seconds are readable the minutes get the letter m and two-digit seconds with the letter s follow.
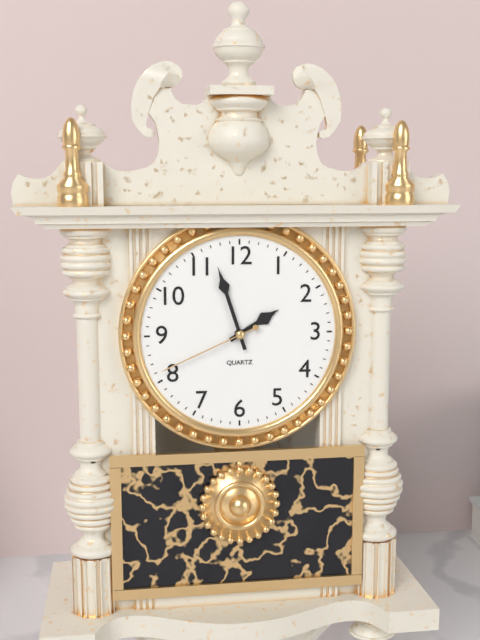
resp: 1h57m41s
